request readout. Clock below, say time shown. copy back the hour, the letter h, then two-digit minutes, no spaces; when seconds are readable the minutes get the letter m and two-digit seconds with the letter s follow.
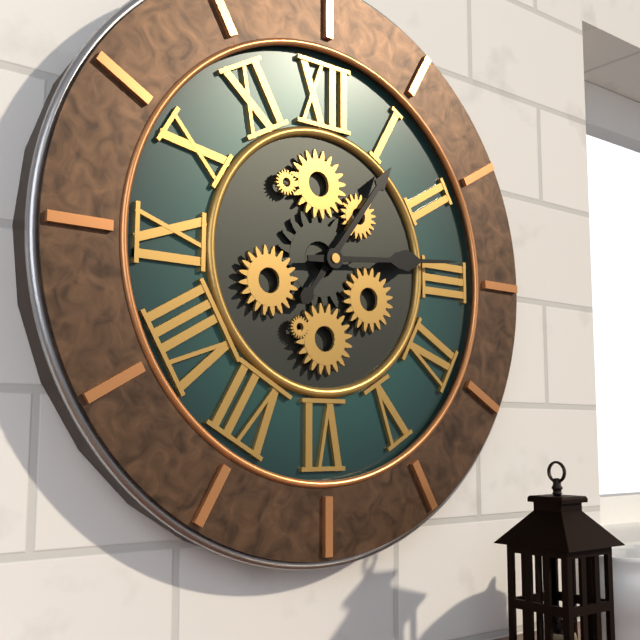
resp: 1h14
